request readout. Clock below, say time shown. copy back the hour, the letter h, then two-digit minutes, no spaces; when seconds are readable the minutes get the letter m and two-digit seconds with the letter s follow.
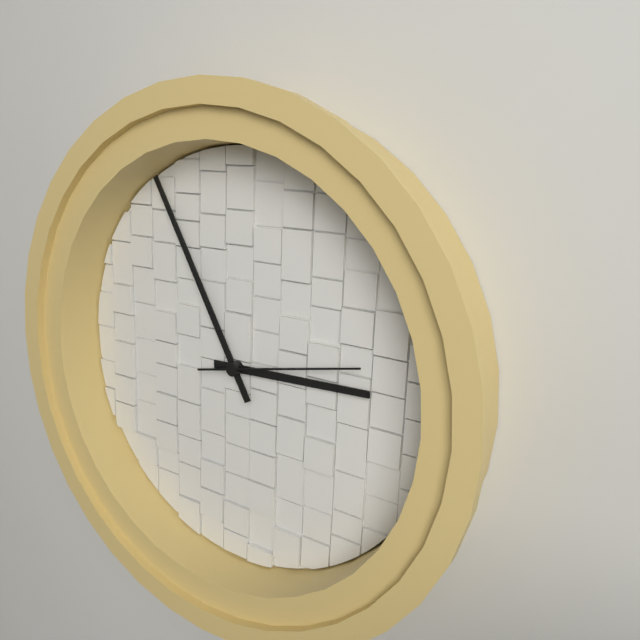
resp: 2h55m13s
